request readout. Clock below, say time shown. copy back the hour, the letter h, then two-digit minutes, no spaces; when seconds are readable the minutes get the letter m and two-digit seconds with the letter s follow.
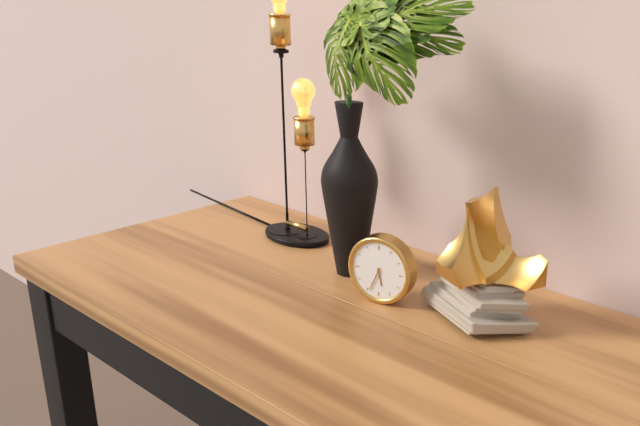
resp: 5h34
